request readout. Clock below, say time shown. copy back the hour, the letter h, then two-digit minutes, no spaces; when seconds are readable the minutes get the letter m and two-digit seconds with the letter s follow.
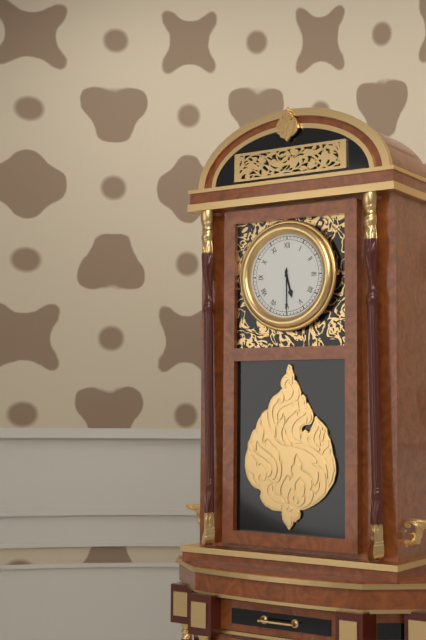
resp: 5h30
